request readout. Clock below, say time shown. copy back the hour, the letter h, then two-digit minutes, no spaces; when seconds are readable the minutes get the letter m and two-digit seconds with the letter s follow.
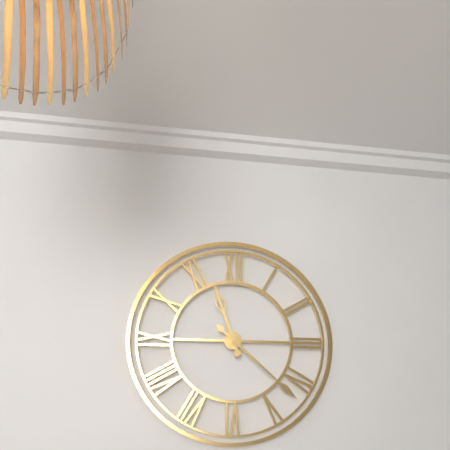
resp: 11h22
